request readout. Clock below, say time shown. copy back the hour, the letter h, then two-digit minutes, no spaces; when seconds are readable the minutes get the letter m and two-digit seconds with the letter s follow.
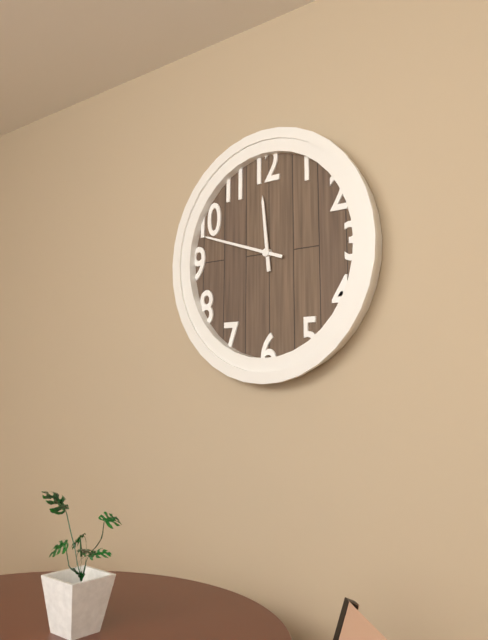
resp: 11h48
